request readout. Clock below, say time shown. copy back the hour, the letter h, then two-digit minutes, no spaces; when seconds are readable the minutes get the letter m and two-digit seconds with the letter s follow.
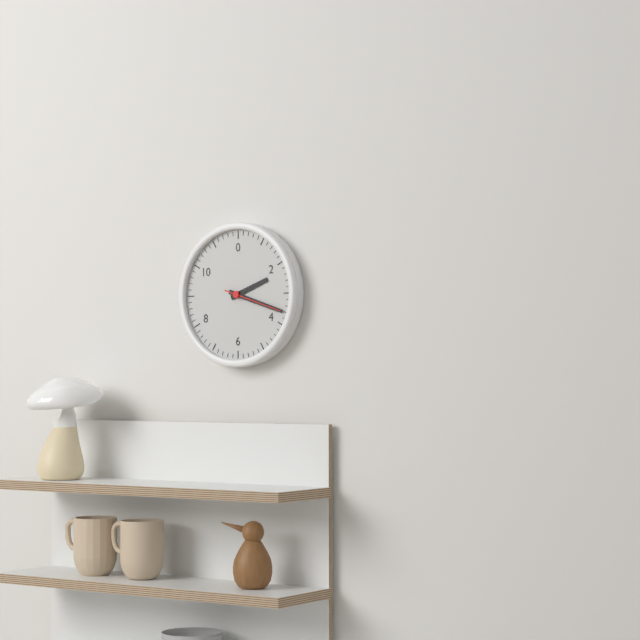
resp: 2h18
